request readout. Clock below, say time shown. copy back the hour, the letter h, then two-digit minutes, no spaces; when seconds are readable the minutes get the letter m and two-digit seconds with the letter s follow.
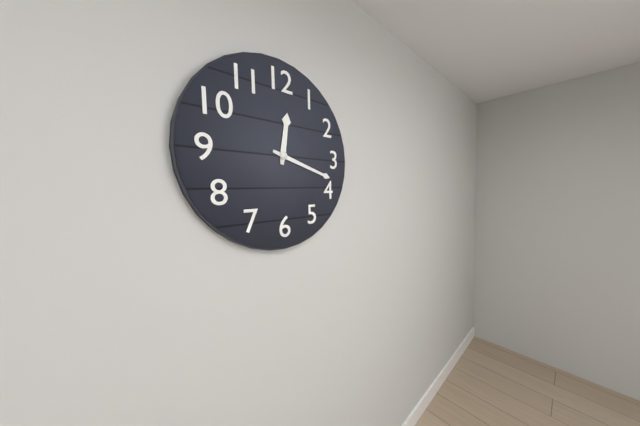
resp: 12h18
